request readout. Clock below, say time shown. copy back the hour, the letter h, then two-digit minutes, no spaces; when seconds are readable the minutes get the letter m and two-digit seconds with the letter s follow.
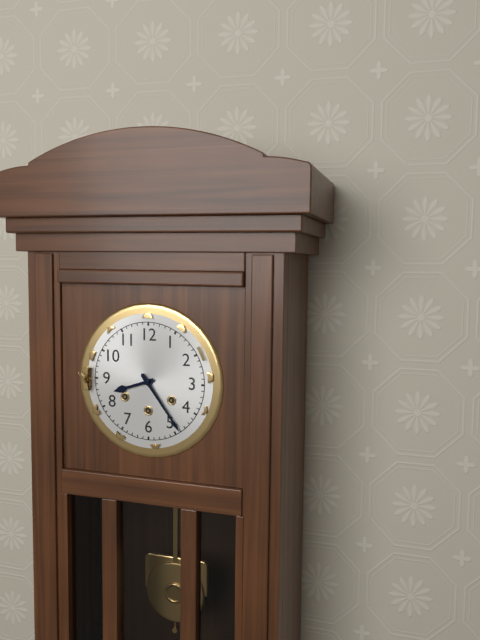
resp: 8h24
